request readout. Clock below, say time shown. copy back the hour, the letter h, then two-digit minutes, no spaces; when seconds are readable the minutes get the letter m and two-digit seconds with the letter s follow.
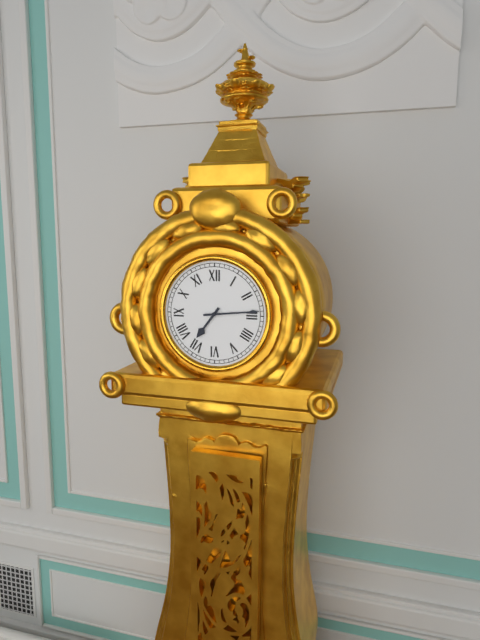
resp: 7h14
